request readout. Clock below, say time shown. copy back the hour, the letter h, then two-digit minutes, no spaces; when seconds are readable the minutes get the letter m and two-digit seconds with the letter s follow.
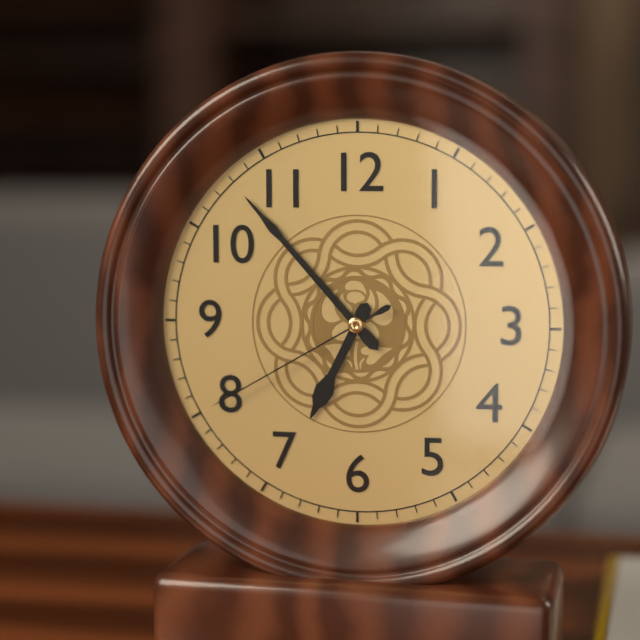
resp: 6h53m40s
